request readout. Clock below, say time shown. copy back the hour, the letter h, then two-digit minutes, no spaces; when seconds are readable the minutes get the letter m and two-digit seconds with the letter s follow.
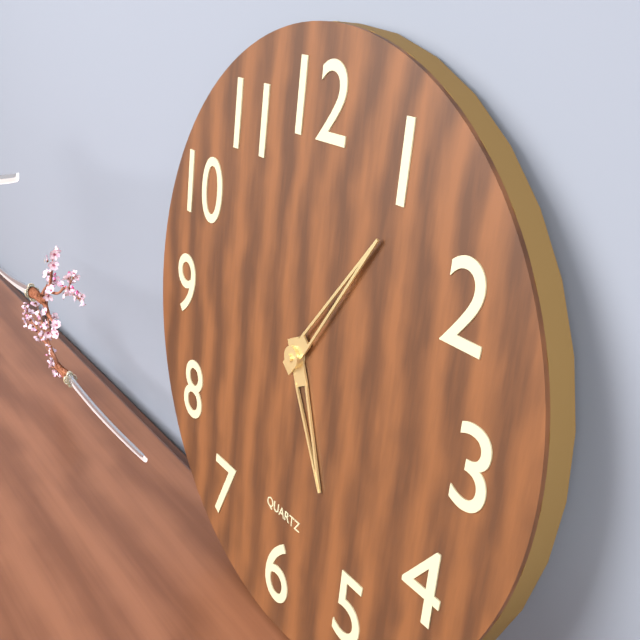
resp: 5h06
